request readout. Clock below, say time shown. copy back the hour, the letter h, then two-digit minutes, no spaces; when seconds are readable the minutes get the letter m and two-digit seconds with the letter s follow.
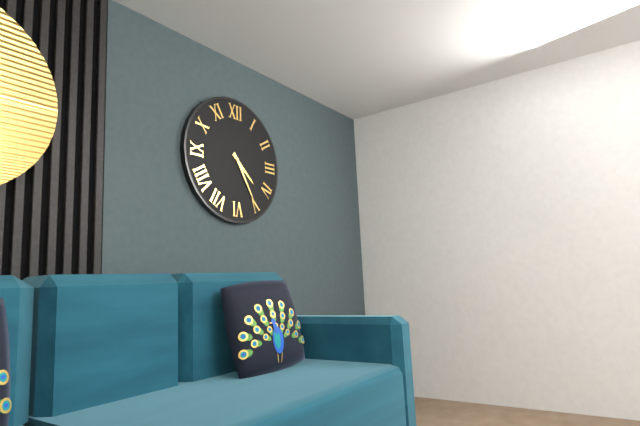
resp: 4h25
